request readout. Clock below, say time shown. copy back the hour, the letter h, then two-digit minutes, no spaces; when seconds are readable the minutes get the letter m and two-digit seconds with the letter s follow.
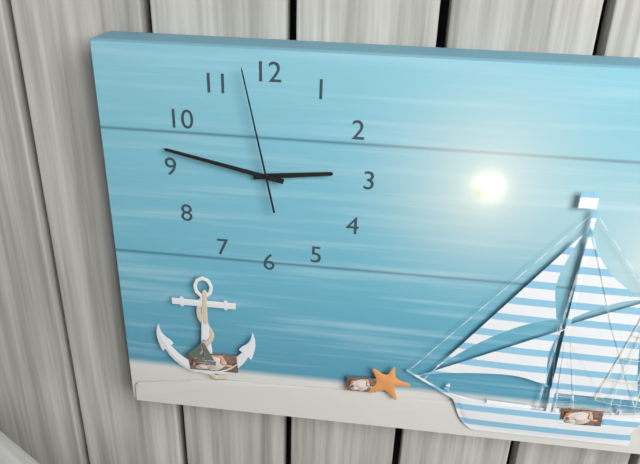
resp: 2h47m58s
